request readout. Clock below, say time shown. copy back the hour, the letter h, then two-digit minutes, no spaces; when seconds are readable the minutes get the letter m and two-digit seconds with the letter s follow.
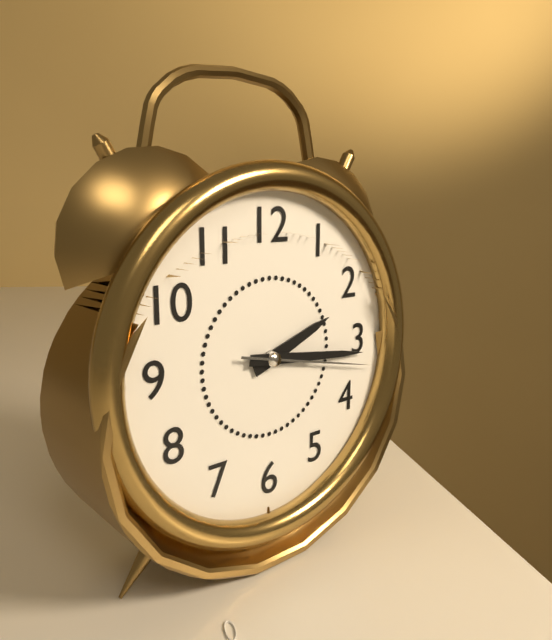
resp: 2h16m17s
